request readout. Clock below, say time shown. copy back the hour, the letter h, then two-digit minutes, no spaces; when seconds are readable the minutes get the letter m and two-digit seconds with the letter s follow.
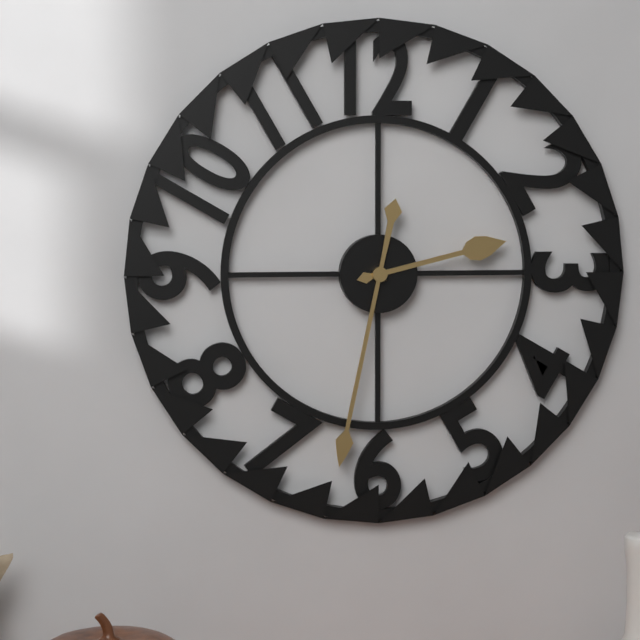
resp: 2h32
